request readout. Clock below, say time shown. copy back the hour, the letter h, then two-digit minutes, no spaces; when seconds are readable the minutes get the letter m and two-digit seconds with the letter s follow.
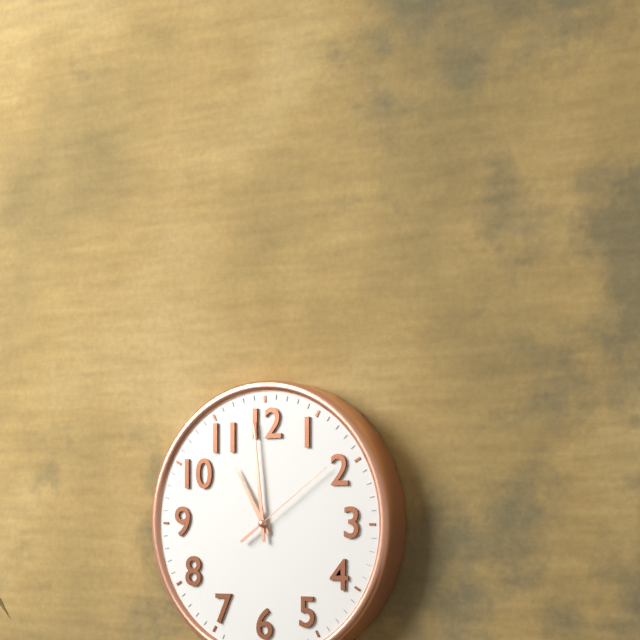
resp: 10h59m09s
